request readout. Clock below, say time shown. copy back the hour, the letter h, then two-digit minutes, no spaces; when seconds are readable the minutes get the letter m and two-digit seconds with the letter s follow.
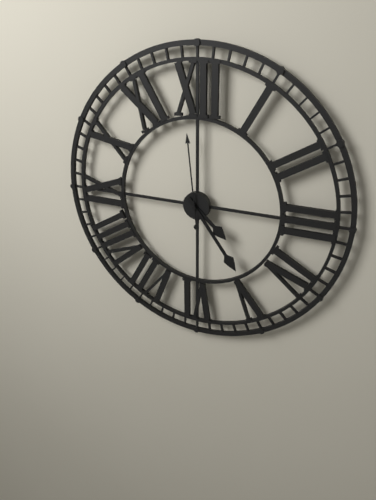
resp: 4h24m59s
